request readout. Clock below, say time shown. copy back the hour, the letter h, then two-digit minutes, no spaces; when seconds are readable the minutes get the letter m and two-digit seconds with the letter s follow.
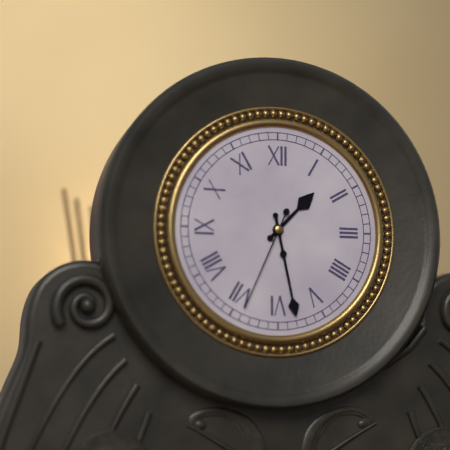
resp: 1h28m34s
